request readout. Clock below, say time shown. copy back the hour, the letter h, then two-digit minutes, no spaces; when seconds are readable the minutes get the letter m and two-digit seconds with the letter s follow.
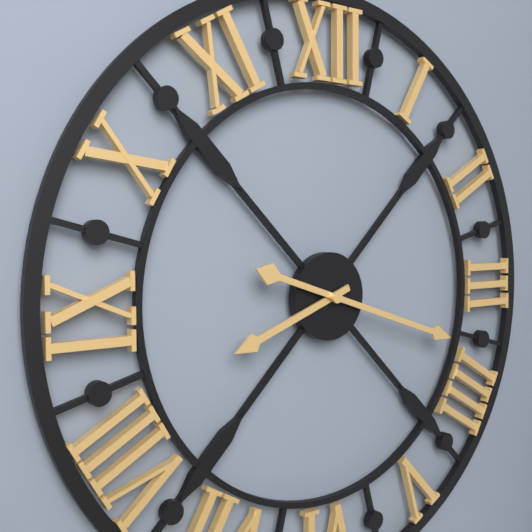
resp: 8h18
